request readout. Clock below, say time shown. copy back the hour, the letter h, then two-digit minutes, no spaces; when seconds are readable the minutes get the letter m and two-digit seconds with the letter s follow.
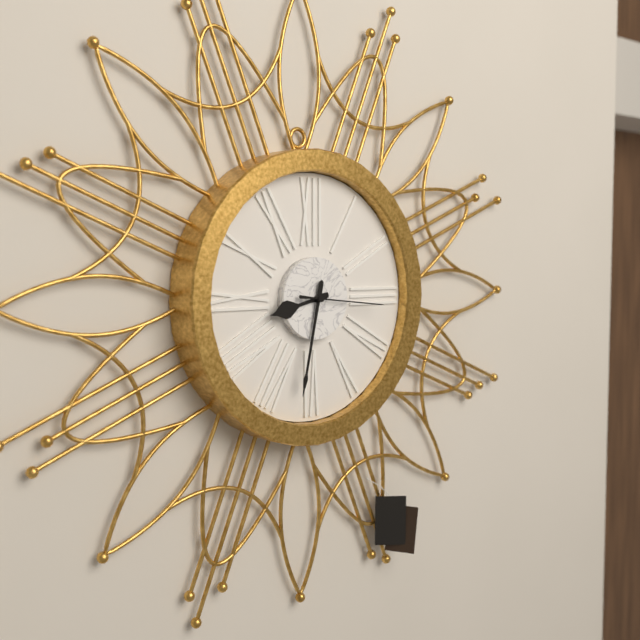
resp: 8h32m16s
